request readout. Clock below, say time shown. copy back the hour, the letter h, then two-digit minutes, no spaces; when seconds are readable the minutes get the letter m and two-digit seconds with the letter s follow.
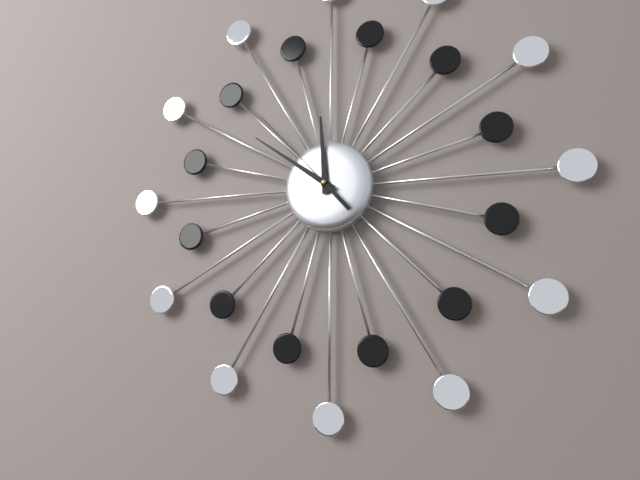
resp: 11h51m53s
